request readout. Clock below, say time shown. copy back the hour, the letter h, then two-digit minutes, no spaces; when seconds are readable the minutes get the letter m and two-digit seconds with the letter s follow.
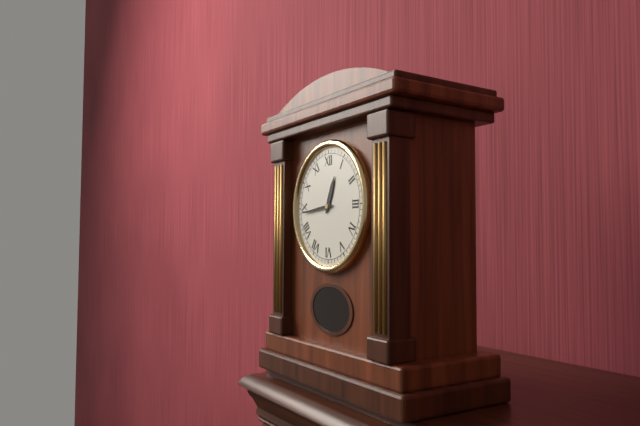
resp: 12h44
